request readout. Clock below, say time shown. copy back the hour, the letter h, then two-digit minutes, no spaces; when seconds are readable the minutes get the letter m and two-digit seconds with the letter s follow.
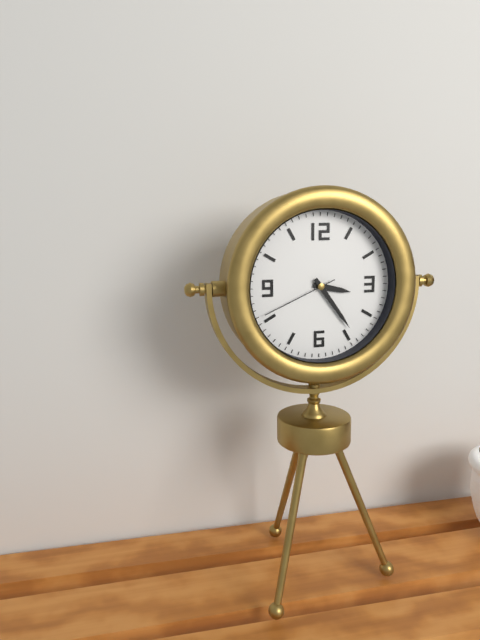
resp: 3h24m41s
